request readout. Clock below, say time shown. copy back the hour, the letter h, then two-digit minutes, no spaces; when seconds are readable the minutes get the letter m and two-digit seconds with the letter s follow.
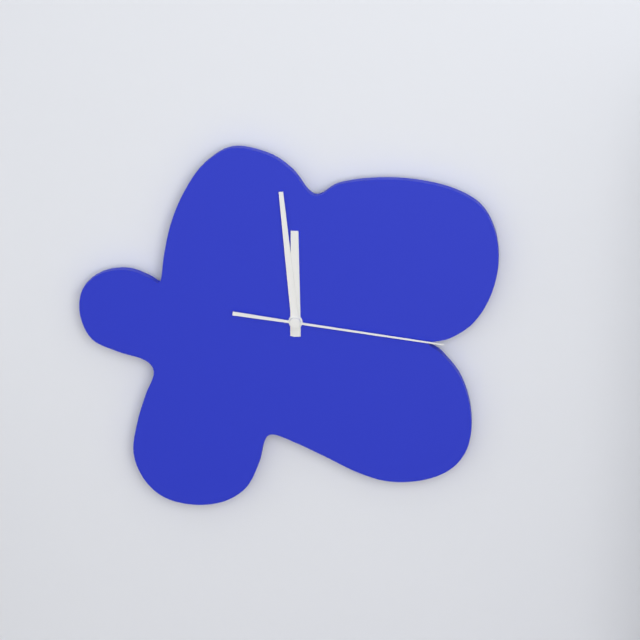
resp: 11h59m16s
